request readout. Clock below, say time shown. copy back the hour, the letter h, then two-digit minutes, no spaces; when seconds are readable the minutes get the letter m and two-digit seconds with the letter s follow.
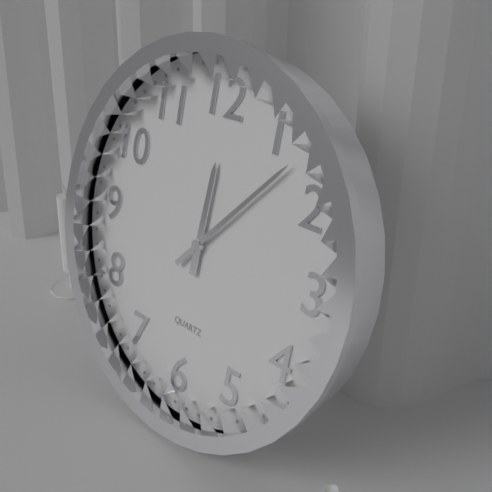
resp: 12h07
